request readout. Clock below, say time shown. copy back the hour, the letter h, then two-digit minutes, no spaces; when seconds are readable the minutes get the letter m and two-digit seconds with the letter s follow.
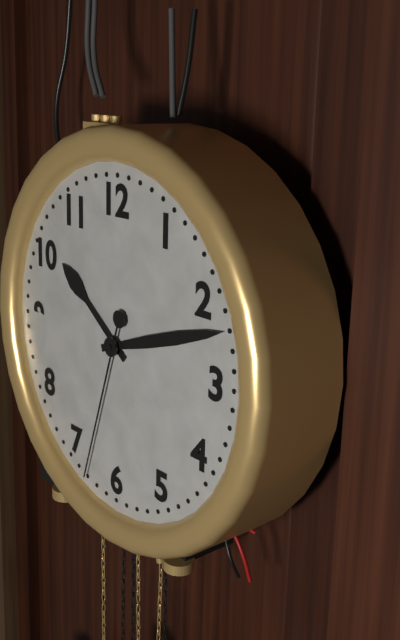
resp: 10h12m33s
